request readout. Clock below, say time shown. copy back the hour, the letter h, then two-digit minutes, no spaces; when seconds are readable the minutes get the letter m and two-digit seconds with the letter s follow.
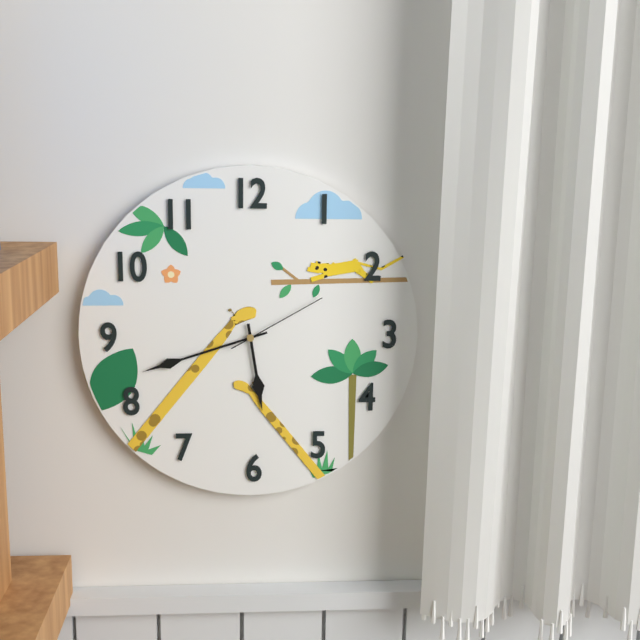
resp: 5h42m10s
